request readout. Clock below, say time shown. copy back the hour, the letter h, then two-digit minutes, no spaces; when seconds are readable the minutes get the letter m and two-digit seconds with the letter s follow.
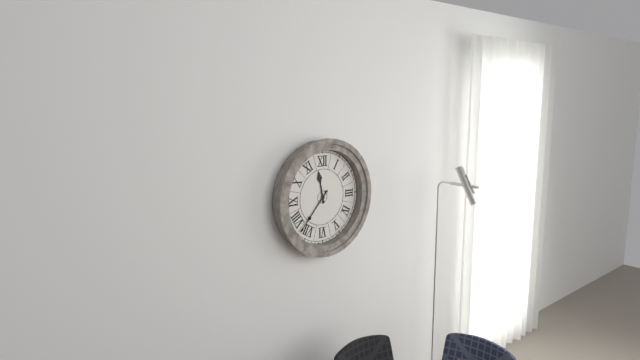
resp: 11h37
